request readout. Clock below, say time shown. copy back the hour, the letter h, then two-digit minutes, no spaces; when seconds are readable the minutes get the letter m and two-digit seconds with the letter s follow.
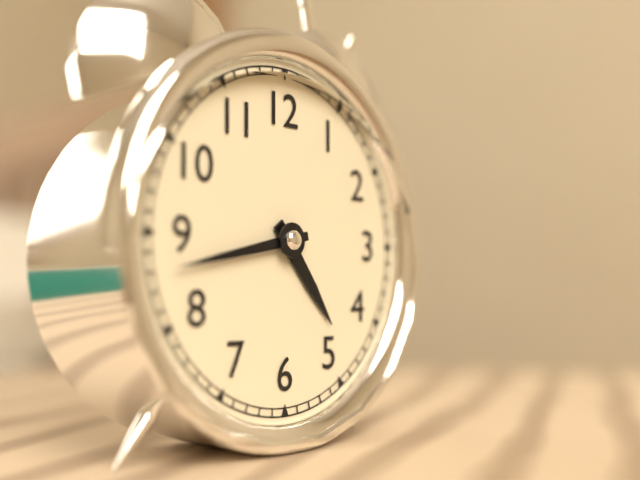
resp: 4h43
